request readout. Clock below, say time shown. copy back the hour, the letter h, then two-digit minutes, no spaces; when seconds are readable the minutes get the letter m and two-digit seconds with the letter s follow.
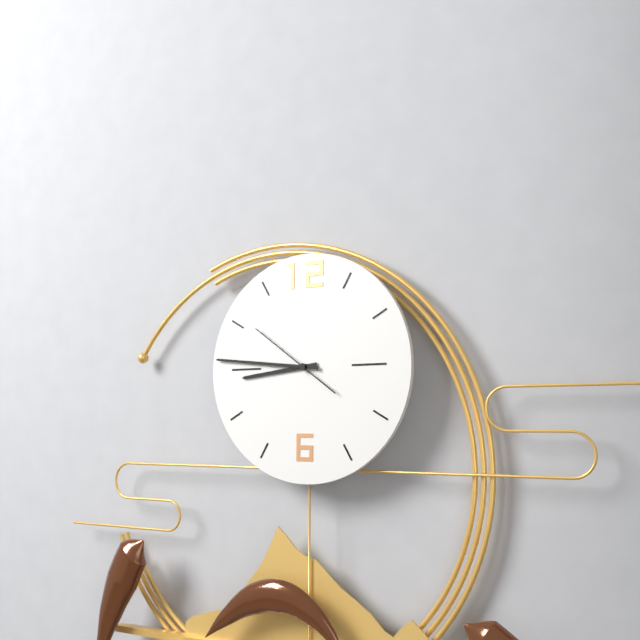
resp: 8h46m51s
